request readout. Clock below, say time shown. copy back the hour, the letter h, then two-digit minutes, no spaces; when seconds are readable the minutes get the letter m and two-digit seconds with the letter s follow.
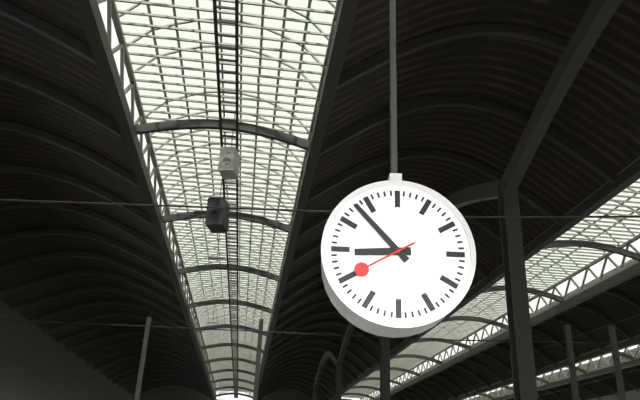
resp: 8h53m40s
